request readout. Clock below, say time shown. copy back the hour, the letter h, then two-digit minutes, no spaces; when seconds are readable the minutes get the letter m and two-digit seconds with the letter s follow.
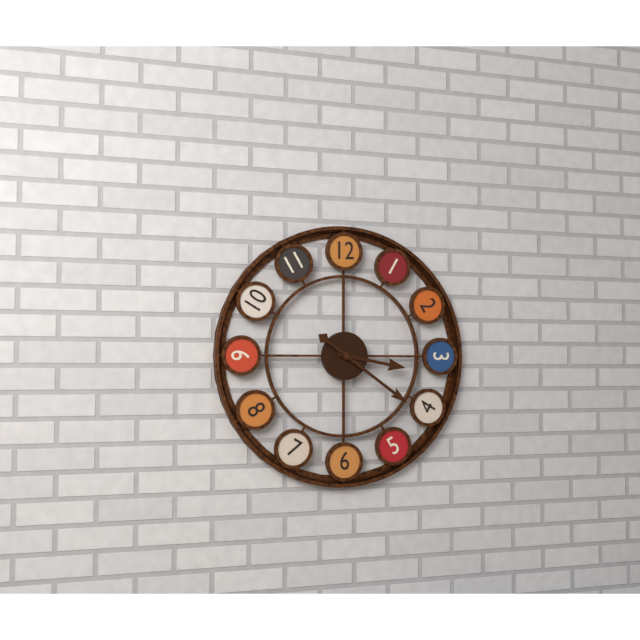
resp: 3h21
